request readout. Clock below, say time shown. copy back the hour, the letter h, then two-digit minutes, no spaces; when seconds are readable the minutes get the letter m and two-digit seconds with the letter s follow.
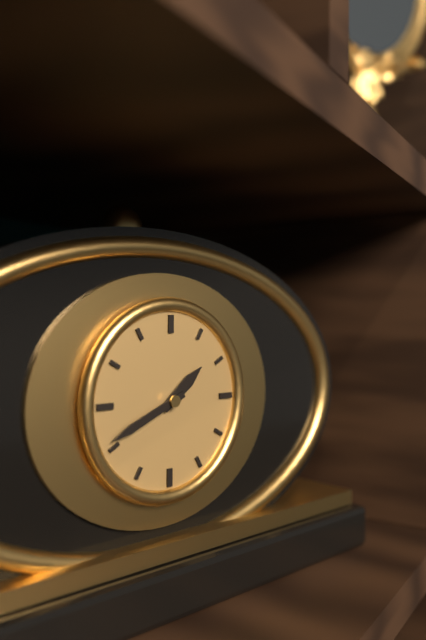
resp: 1h41
